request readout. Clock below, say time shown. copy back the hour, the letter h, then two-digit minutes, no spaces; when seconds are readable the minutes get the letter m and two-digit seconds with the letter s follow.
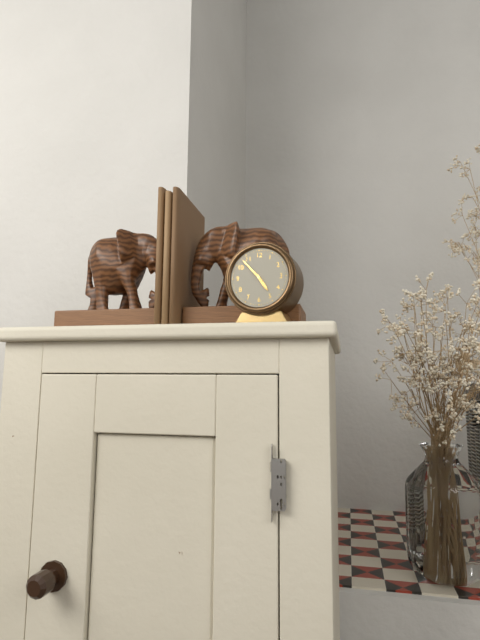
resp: 4h53
